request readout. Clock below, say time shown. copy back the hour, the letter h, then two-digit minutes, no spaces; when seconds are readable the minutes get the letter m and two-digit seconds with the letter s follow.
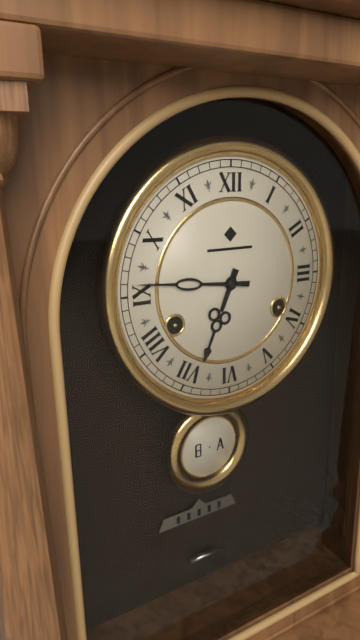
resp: 6h46
